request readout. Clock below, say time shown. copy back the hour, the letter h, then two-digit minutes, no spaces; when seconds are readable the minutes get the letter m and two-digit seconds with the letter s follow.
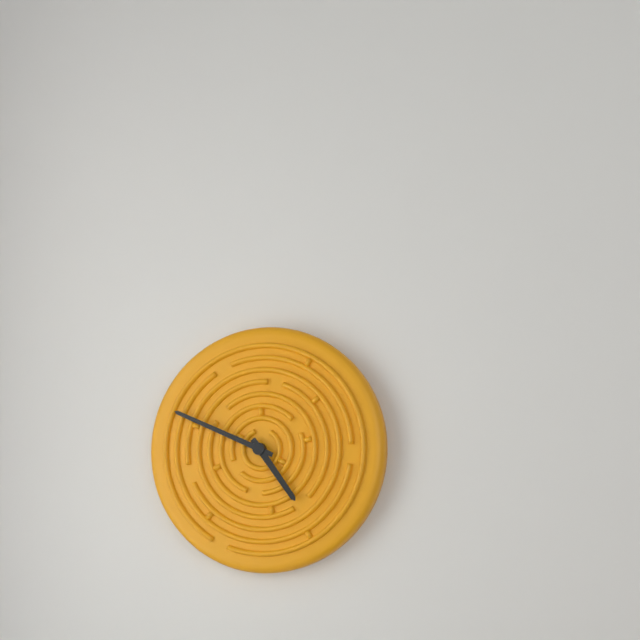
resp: 4h49
